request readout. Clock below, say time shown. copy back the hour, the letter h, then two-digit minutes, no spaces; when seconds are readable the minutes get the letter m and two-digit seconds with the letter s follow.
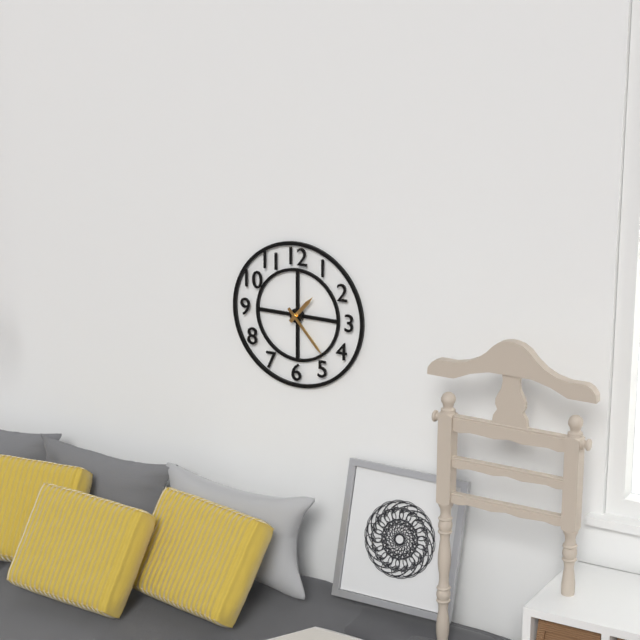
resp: 1h23
